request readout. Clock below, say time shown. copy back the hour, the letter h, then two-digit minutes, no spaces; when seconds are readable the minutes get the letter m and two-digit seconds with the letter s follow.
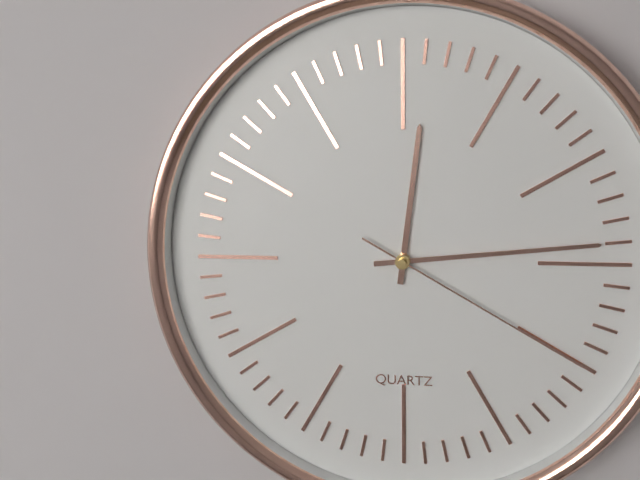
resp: 12h14m20s
